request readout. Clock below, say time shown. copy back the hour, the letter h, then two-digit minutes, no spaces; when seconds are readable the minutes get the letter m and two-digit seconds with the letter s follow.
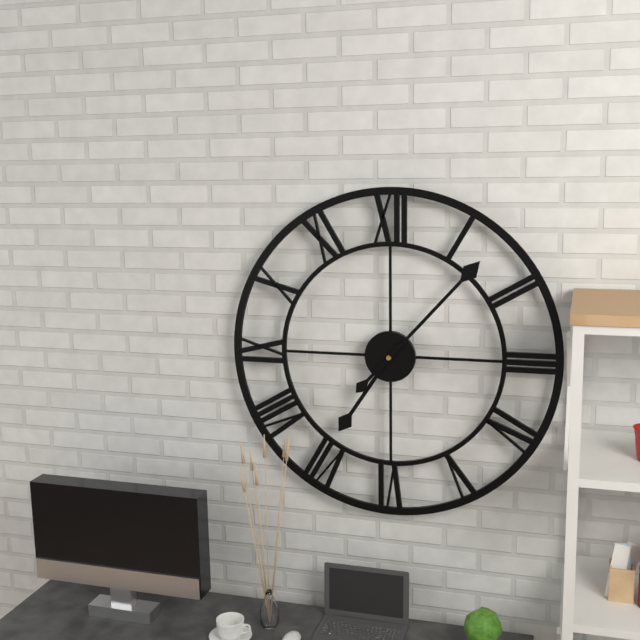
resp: 7h07
